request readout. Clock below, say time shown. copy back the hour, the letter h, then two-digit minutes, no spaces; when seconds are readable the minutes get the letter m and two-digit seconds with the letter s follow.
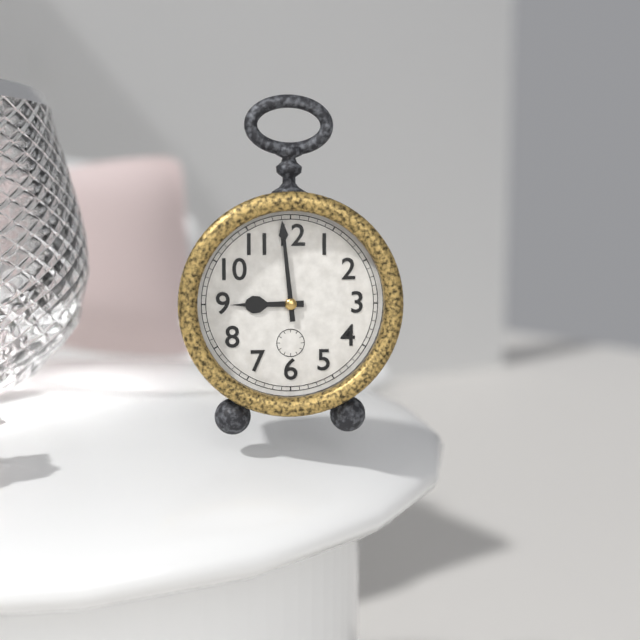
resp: 8h59
